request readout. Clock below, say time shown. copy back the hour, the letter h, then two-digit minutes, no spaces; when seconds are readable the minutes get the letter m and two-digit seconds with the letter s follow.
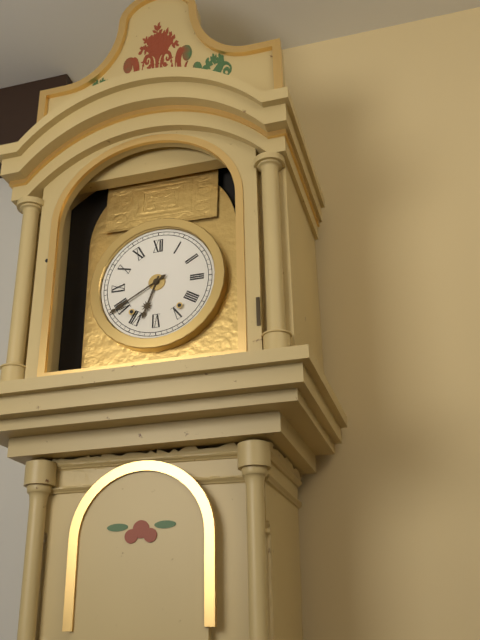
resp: 6h40
